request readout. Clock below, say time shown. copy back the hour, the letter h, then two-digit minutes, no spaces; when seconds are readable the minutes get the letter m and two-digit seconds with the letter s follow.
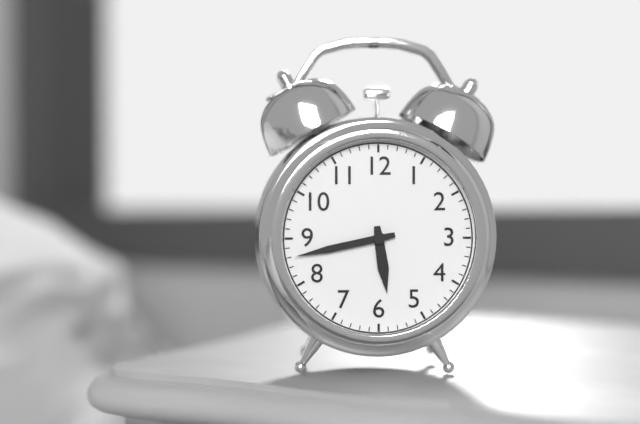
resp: 5h43
